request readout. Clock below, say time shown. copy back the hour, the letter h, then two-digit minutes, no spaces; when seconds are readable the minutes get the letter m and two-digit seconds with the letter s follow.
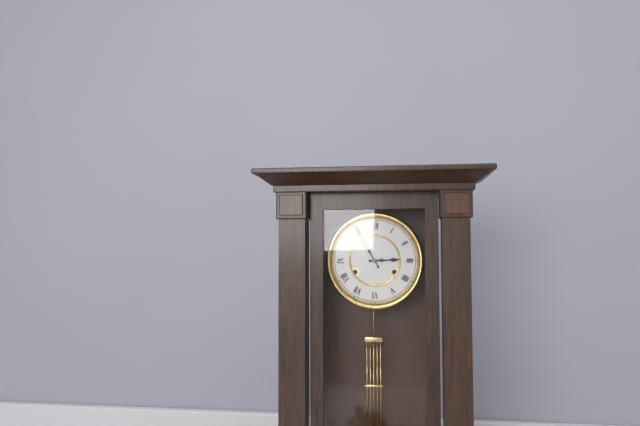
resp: 2h55
